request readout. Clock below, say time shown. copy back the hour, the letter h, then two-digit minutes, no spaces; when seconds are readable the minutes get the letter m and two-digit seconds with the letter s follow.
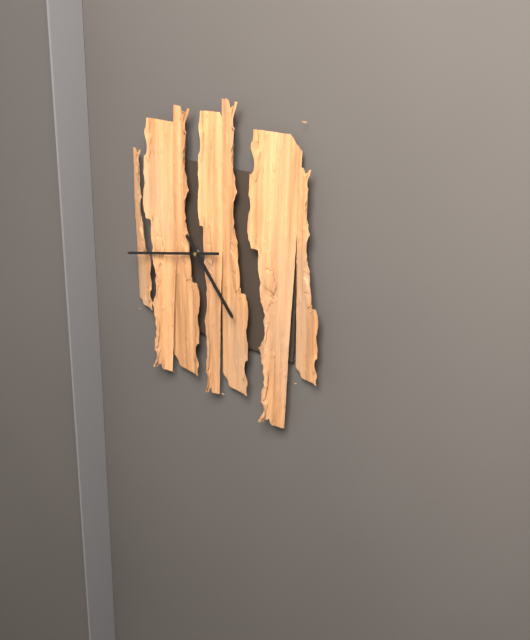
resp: 4h43
